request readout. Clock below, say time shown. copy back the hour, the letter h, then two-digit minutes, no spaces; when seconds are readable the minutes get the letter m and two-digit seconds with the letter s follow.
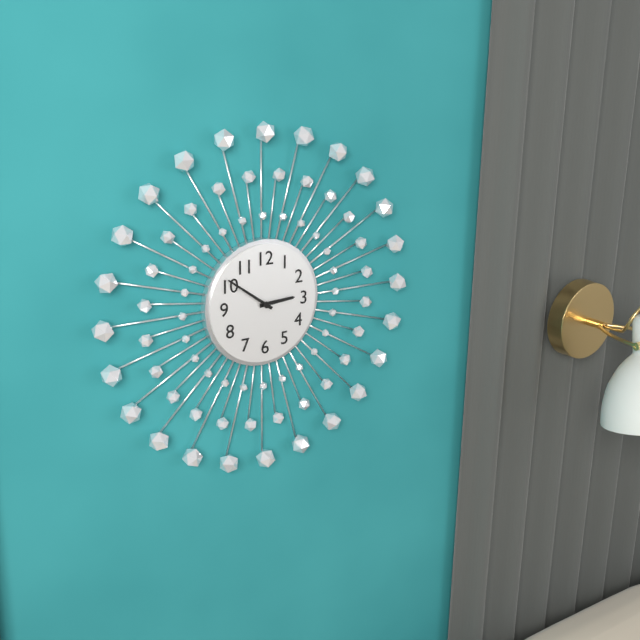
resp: 2h51
